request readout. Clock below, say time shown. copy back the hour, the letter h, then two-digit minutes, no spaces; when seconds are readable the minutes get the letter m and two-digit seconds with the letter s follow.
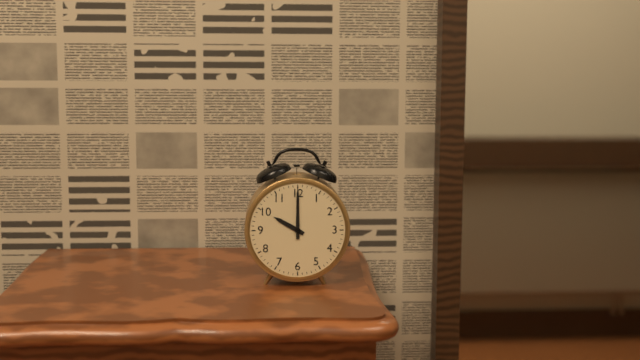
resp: 10h00
